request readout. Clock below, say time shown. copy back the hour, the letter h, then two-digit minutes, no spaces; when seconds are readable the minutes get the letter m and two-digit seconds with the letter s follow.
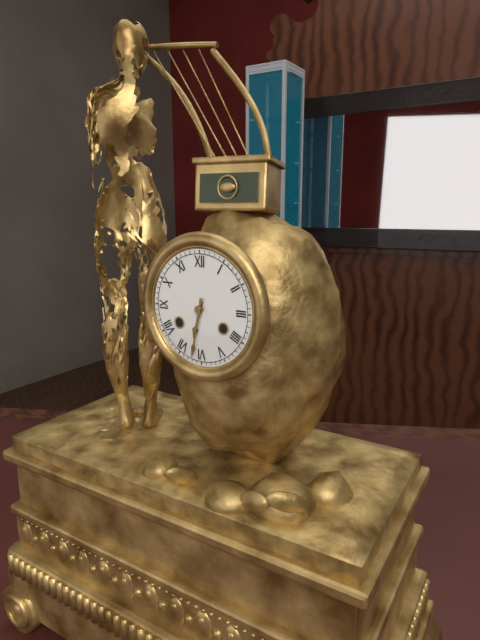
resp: 6h32
